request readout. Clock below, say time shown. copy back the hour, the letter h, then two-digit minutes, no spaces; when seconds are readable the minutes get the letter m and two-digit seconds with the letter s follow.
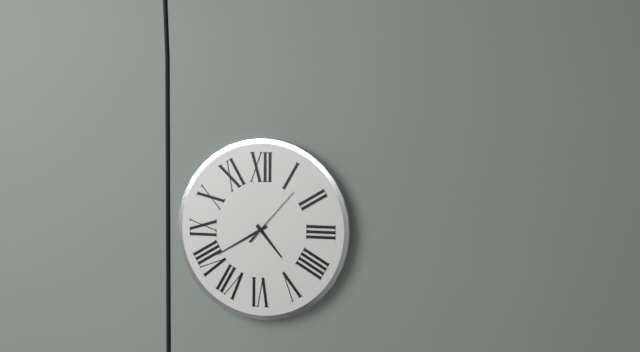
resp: 4h40m07s
